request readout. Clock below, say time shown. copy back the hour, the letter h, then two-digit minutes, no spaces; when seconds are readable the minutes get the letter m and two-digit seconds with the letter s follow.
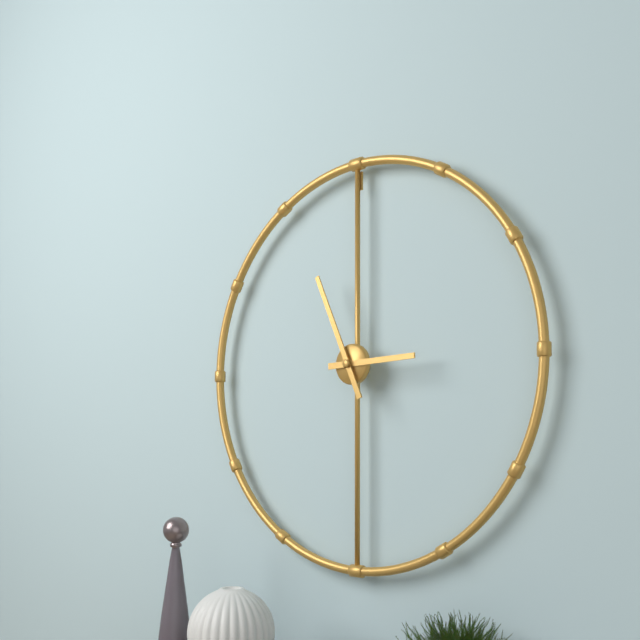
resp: 2h56
